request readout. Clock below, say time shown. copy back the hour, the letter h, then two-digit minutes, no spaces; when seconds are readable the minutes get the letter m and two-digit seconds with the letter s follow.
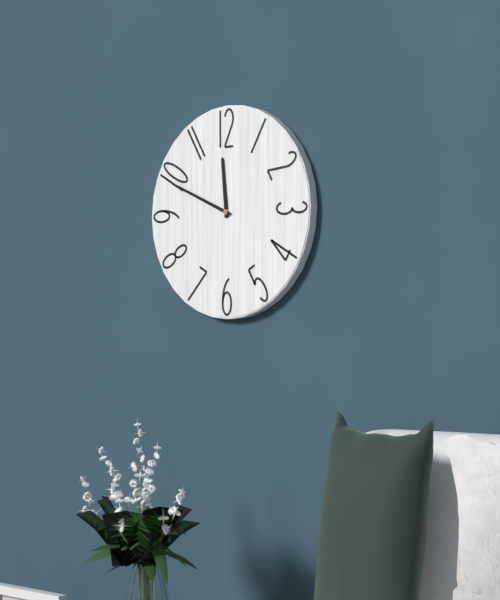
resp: 11h49
